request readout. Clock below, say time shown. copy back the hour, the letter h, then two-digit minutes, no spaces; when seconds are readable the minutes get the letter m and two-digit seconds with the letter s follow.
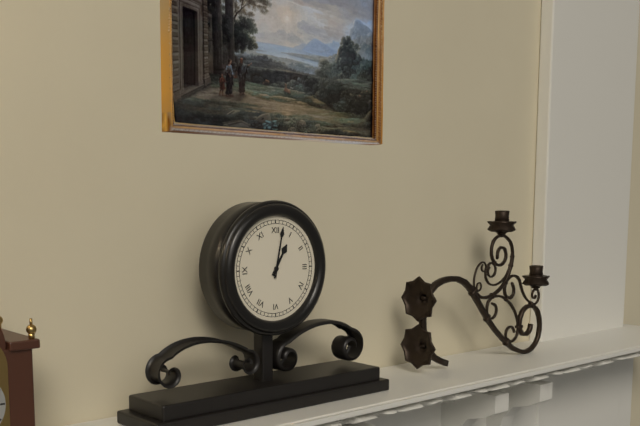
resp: 1h02
